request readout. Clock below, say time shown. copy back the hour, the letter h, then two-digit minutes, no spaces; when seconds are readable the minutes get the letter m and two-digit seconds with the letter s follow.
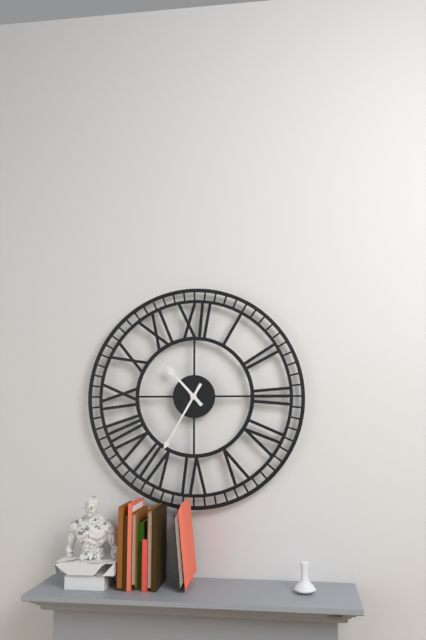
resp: 10h35
